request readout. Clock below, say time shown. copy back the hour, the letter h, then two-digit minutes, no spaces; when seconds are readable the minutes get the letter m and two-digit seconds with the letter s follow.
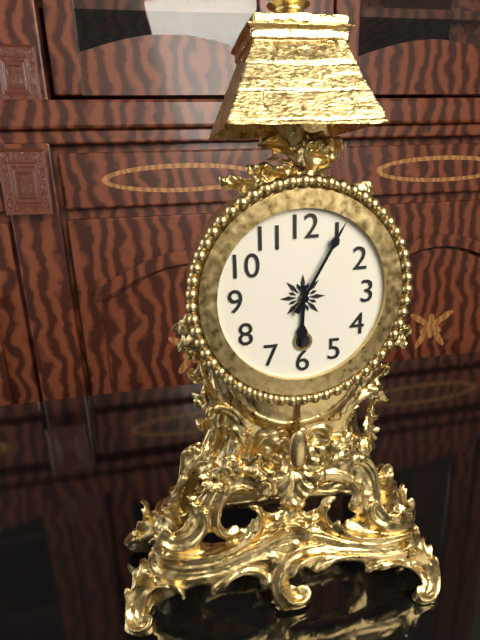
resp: 6h05
